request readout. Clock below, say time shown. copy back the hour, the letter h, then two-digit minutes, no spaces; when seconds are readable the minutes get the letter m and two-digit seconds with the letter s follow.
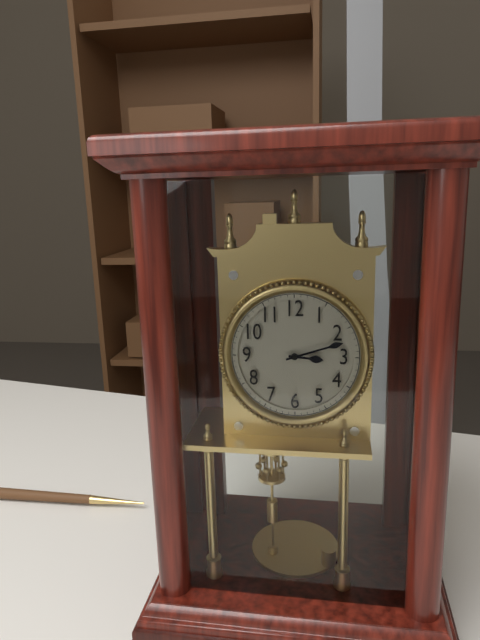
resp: 3h12
